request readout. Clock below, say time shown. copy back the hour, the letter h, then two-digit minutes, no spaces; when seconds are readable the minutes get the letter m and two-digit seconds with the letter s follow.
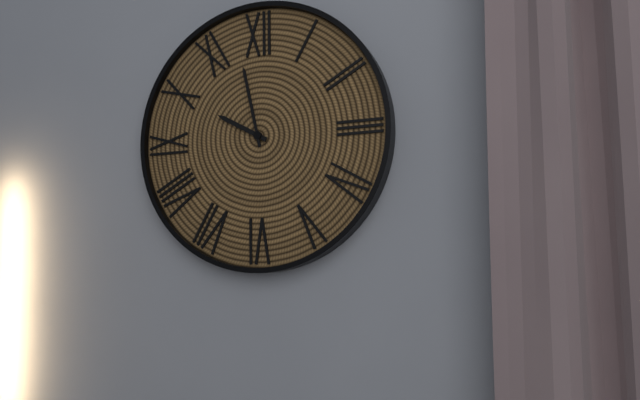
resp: 9h58
